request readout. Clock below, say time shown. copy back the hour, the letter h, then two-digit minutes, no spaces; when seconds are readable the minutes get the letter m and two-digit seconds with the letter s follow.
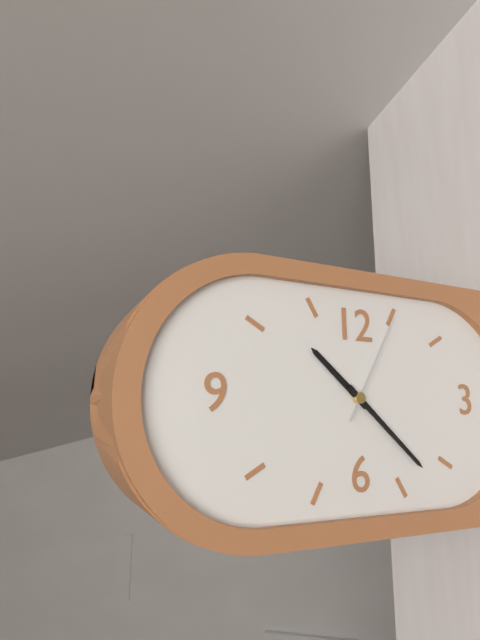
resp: 10h22m05s
